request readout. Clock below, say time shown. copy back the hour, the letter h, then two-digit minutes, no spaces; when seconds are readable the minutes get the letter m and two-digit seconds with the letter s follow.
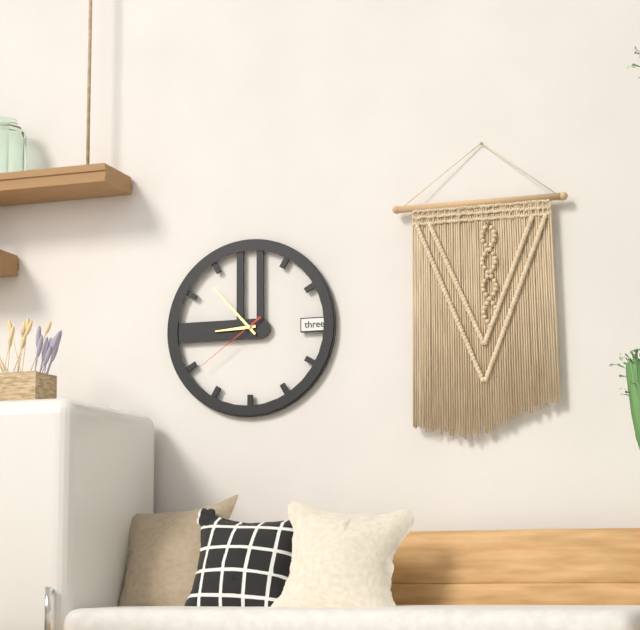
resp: 8h53m39s
